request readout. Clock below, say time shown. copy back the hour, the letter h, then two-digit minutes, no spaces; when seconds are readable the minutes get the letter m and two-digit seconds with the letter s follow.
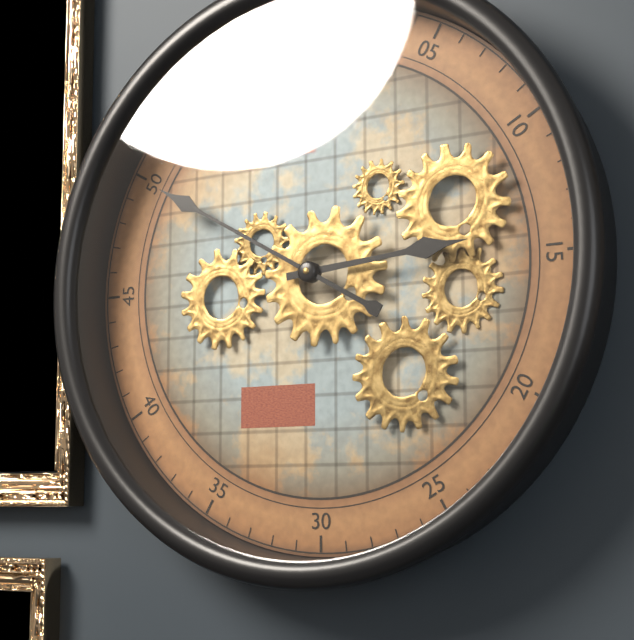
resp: 2h50
